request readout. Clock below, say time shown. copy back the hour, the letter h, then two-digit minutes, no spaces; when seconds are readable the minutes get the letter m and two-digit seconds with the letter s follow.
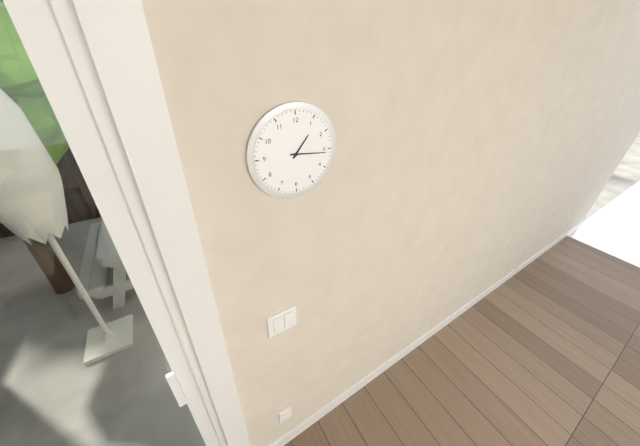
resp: 1h16
